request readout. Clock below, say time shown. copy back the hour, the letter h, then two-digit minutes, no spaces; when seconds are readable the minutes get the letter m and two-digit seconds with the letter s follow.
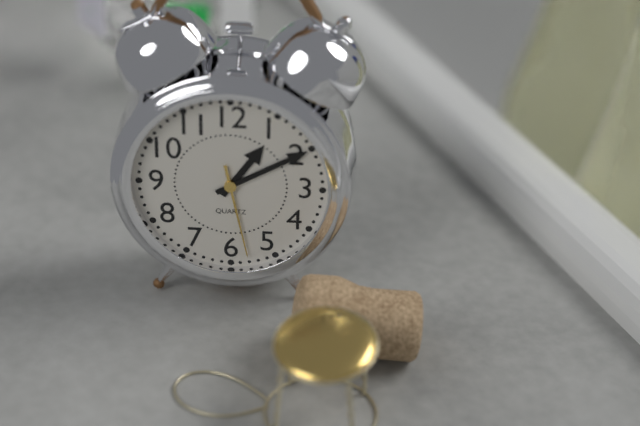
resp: 1h10m28s
